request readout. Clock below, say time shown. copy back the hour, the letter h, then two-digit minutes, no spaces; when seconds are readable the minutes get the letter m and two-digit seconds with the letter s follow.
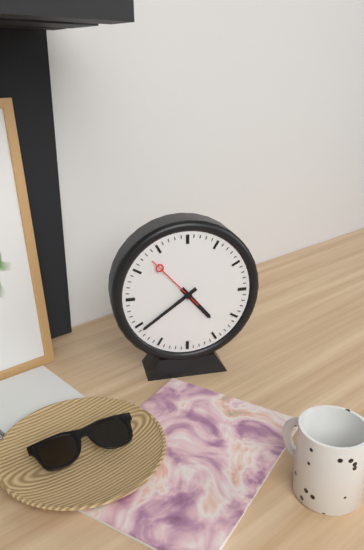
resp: 4h39m53s
